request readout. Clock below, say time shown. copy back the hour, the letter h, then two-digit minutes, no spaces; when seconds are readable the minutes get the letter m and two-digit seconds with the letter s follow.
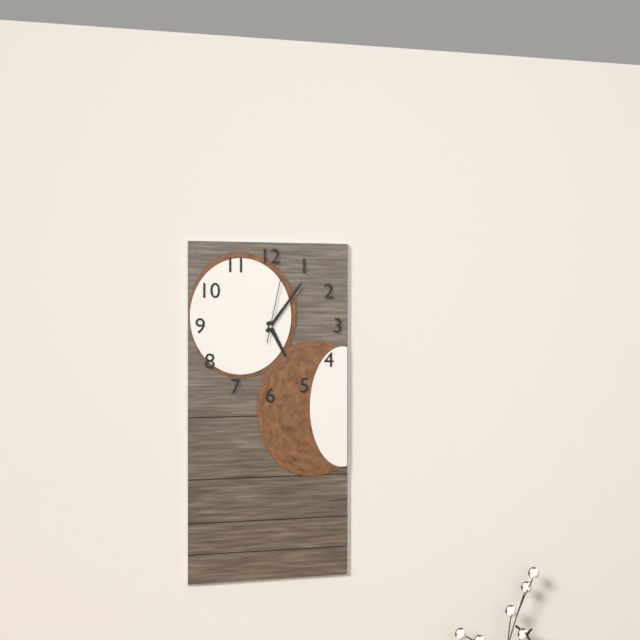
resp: 5h06m02s
